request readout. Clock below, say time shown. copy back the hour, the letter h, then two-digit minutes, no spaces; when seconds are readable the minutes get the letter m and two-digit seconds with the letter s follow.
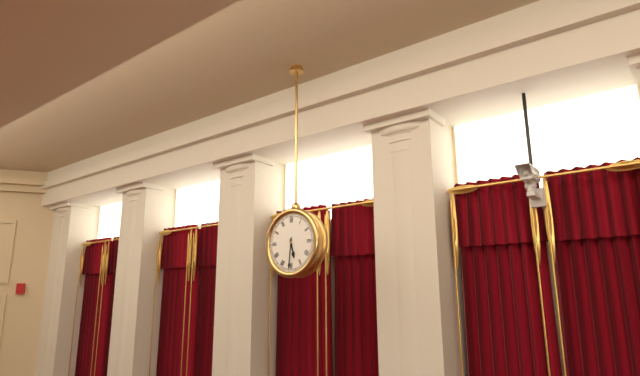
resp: 5h31
